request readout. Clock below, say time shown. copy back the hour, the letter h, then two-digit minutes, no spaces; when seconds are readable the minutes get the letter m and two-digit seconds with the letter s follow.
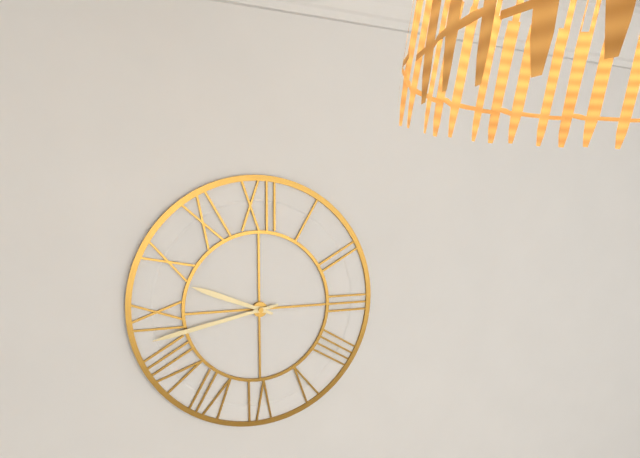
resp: 9h43
